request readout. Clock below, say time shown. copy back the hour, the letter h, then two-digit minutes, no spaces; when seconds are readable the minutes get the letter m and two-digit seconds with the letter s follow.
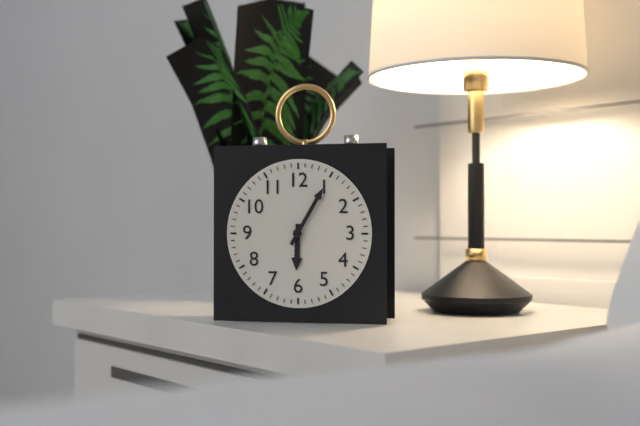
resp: 6h05
